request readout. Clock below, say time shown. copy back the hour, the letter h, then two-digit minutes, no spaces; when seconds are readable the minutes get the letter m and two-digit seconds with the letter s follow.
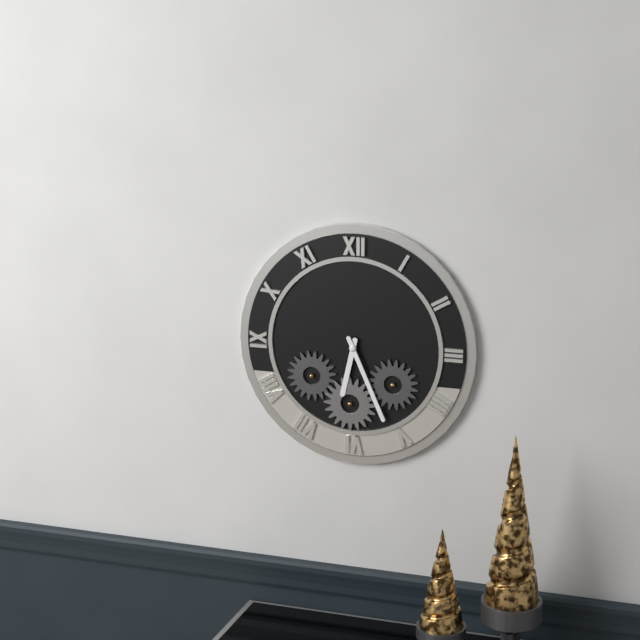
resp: 6h26
